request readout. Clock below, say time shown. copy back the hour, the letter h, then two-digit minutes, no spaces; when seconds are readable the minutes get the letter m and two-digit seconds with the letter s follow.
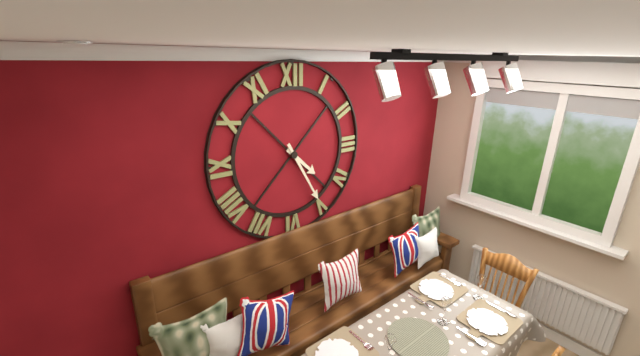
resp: 4h25
